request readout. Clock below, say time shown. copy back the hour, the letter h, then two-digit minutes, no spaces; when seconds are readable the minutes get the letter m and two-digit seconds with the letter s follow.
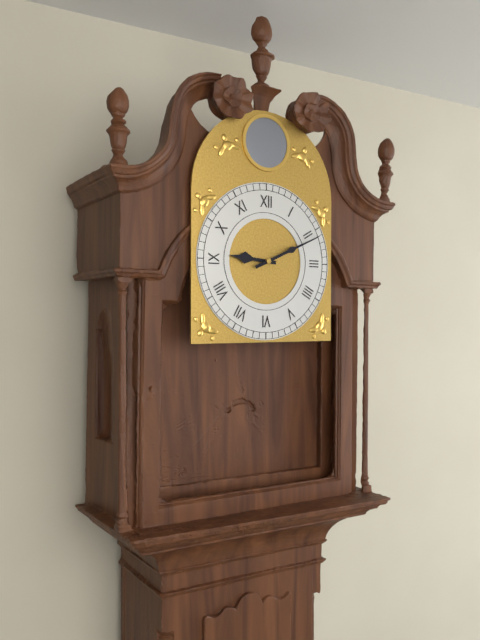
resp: 9h11
